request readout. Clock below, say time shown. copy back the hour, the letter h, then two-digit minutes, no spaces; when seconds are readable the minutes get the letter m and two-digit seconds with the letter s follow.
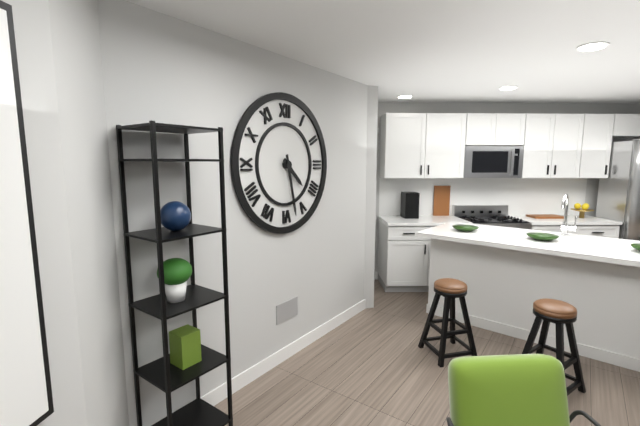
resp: 4h28
